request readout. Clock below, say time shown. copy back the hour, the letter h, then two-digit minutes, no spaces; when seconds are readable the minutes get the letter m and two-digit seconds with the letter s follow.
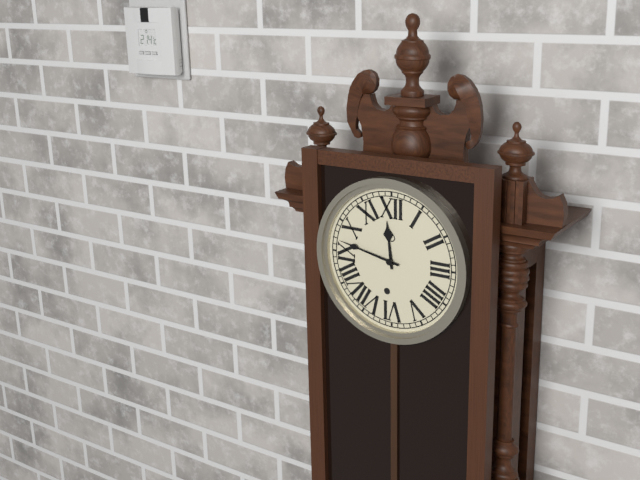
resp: 11h47
